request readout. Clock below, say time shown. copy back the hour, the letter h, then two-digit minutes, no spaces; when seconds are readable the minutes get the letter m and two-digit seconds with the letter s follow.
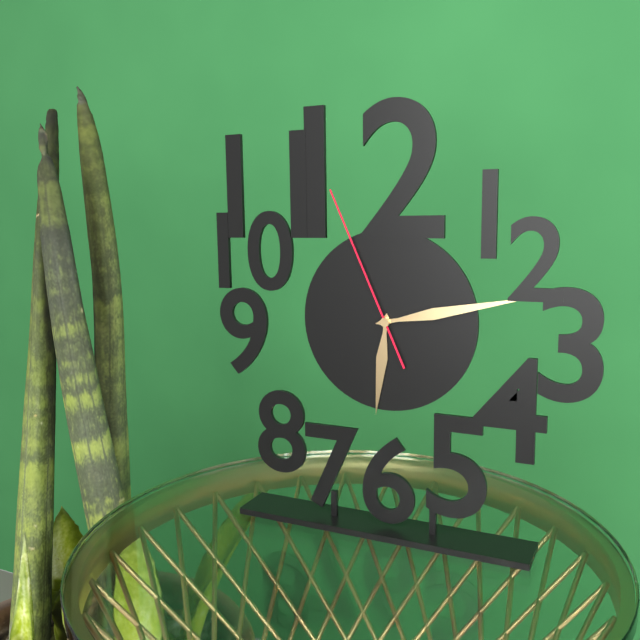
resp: 6h13m56s
